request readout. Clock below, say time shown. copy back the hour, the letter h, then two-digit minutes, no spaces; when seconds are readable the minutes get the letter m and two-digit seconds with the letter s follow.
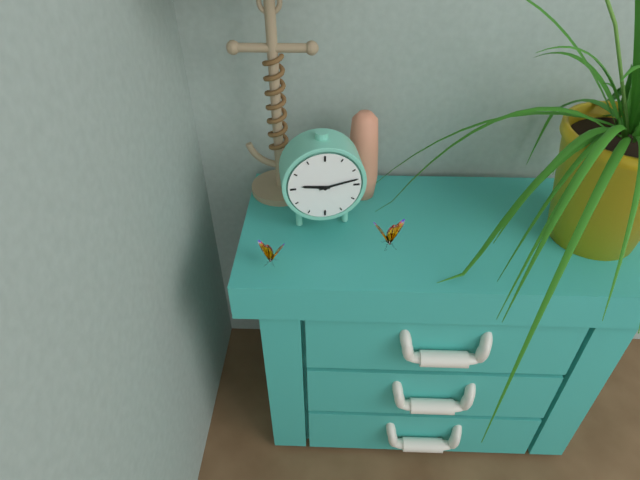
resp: 9h13
